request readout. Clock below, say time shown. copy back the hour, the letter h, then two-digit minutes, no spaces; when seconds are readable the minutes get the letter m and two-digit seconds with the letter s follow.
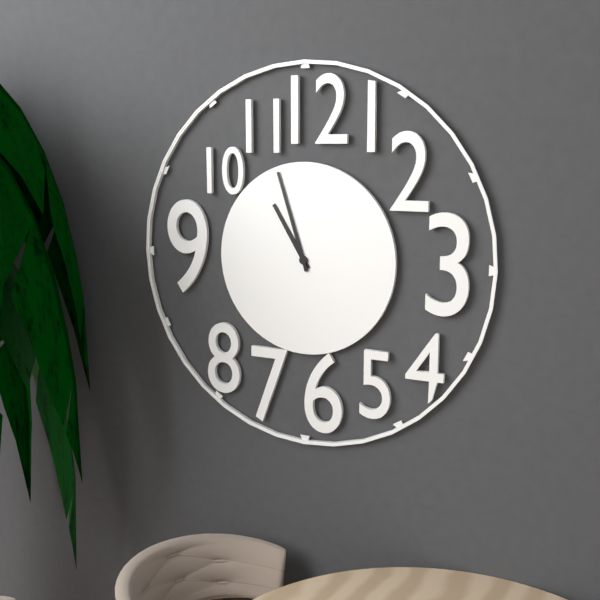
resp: 10h57
